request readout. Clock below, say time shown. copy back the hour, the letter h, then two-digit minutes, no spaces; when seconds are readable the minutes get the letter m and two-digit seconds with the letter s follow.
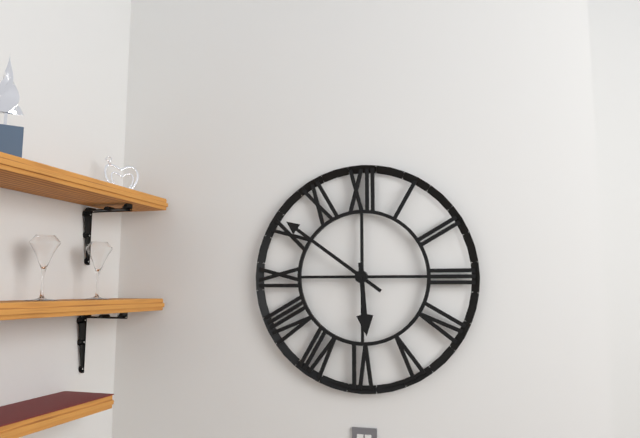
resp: 5h51
